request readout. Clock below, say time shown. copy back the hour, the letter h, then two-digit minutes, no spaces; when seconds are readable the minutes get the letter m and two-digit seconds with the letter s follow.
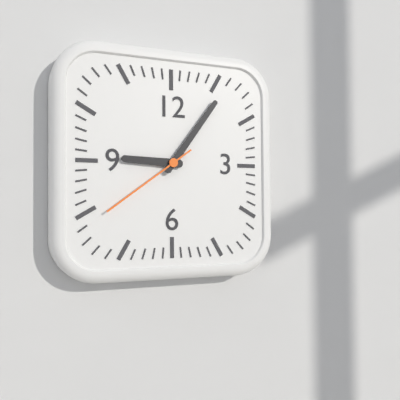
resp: 9h06m39s
